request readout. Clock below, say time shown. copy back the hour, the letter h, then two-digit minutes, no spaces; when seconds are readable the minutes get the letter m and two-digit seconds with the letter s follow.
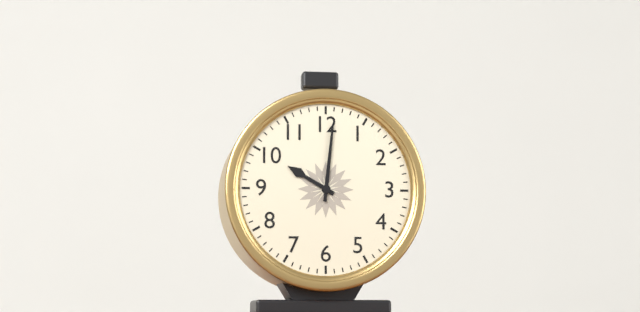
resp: 10h01
